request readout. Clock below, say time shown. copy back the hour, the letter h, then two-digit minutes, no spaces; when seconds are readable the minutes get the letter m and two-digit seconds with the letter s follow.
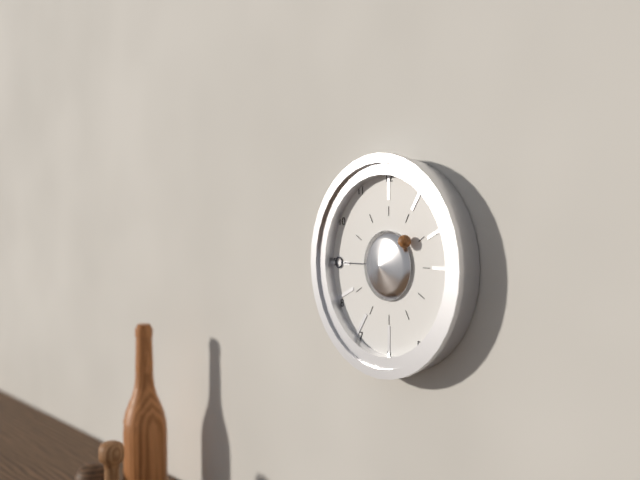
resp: 1h45
